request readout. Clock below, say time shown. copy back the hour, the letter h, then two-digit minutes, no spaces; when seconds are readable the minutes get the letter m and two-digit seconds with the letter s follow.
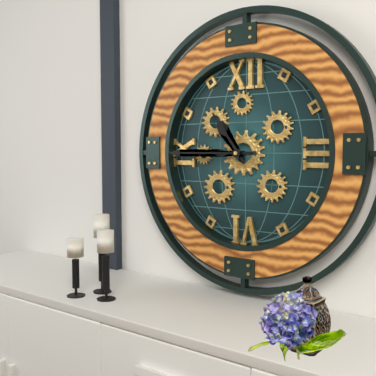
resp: 10h45
